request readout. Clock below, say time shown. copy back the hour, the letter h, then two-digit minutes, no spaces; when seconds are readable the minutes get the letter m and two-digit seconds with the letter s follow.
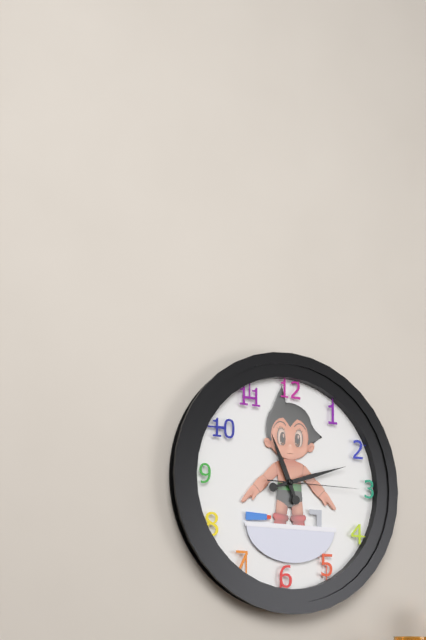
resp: 11h12m15s
